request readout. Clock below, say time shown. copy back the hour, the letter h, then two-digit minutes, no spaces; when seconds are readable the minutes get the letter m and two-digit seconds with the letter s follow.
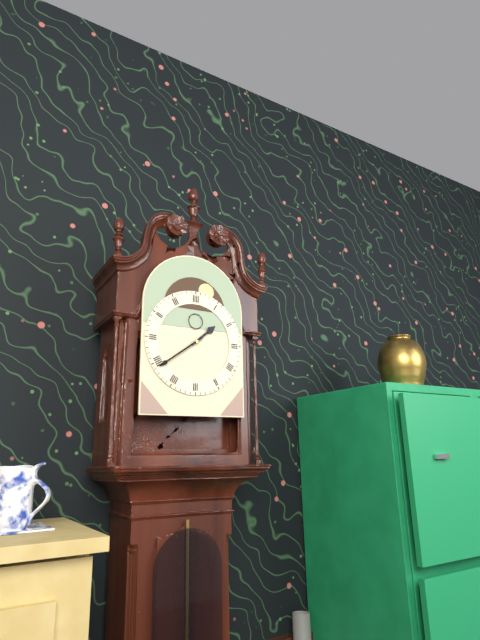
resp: 1h39
